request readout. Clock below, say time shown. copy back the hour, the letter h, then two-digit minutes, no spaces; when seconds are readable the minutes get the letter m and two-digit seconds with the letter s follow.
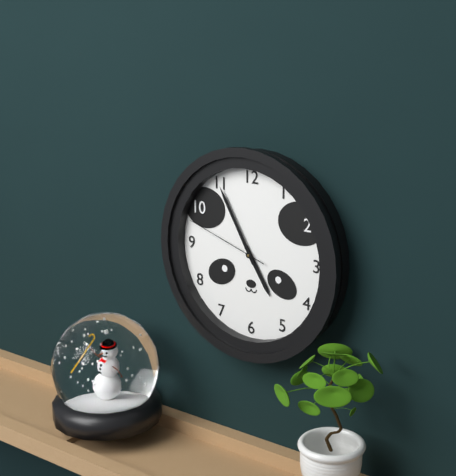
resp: 4h55m48s
